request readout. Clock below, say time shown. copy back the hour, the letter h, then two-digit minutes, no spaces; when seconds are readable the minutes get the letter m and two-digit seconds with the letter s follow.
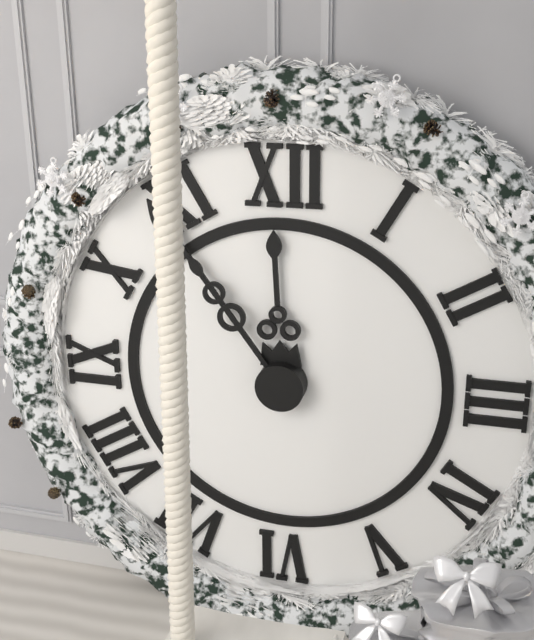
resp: 11h54
